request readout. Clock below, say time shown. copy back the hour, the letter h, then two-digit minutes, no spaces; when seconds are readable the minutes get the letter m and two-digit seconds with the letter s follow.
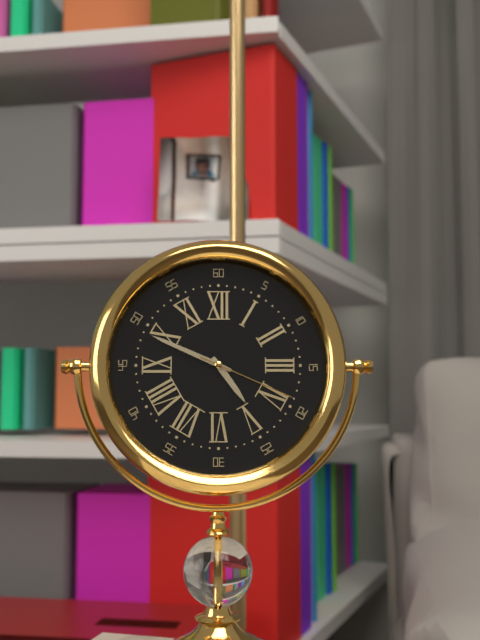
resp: 4h49m19s
